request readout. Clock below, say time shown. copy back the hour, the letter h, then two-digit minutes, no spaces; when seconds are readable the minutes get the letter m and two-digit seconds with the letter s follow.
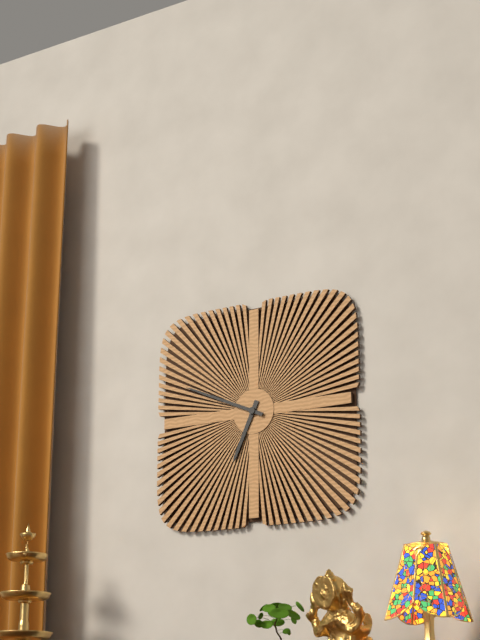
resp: 6h49
